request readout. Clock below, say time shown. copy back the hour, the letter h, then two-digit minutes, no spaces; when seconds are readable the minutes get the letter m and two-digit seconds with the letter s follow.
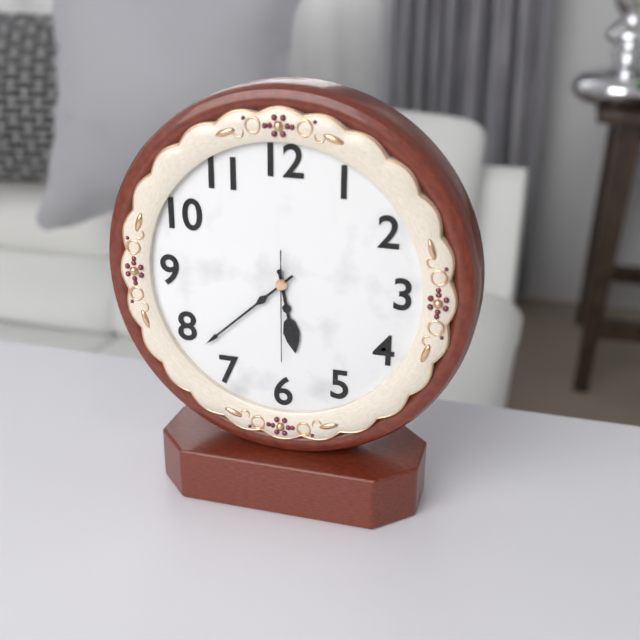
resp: 5h38m30s
